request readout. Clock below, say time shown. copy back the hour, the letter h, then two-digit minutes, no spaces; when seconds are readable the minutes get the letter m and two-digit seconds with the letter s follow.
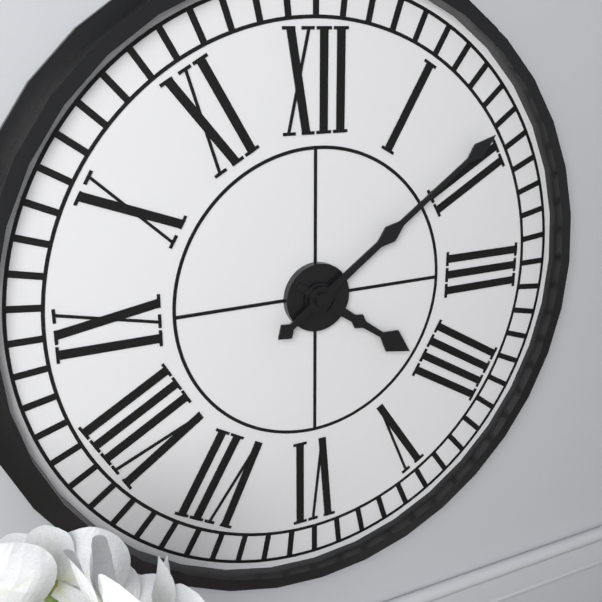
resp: 4h09
